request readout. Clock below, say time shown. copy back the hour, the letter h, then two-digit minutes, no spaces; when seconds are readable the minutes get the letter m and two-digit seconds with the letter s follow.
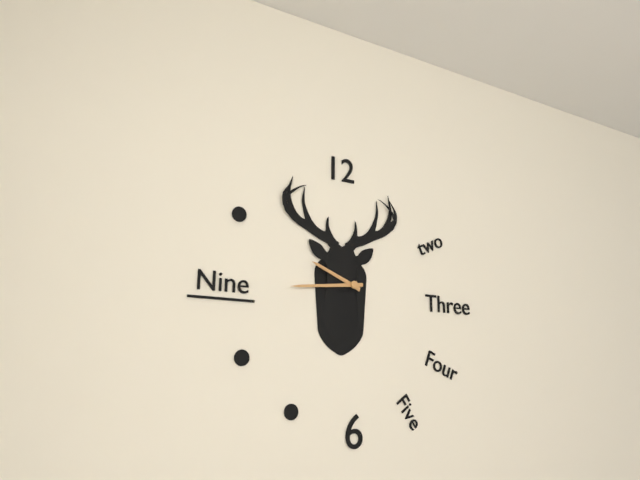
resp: 9h44
